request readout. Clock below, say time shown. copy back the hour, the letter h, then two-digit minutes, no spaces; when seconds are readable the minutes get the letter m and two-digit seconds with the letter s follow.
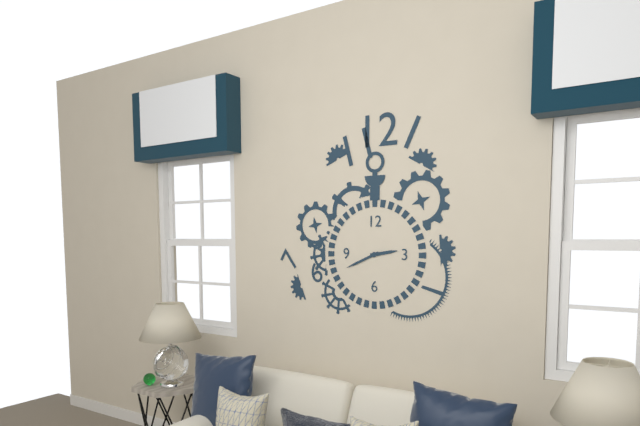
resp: 2h41
